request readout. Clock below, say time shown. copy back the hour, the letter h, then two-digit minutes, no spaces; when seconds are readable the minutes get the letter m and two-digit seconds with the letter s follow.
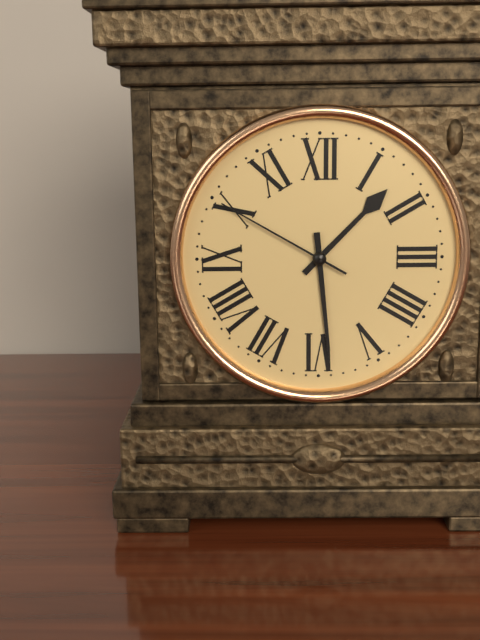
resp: 1h29m50s
